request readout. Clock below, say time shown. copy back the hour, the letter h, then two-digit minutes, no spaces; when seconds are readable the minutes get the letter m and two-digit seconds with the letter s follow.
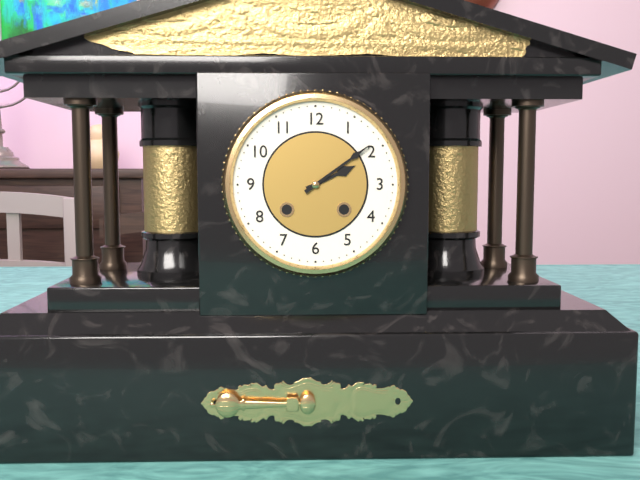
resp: 2h09
